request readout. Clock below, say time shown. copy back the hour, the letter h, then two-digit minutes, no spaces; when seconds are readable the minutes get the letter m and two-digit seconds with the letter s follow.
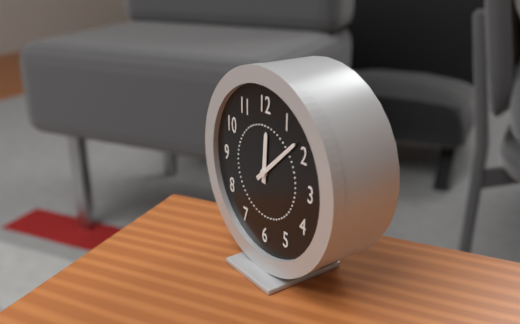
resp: 12h08
